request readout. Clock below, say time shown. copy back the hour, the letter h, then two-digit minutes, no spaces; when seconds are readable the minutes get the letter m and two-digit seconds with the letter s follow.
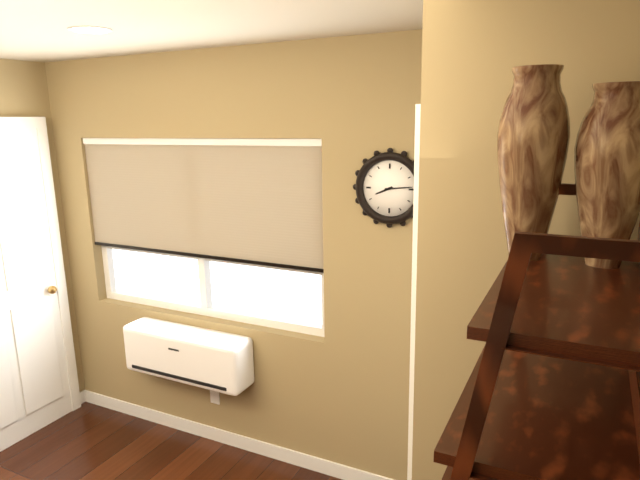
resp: 8h14
